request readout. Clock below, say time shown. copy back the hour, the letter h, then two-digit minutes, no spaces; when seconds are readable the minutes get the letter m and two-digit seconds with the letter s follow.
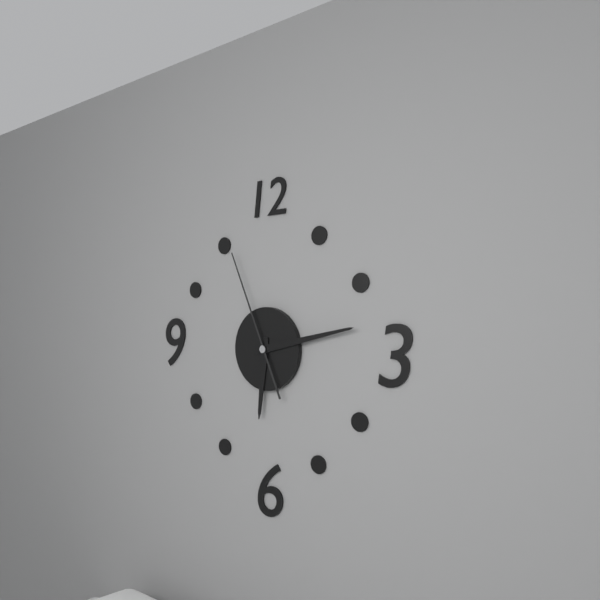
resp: 6h13m56s
